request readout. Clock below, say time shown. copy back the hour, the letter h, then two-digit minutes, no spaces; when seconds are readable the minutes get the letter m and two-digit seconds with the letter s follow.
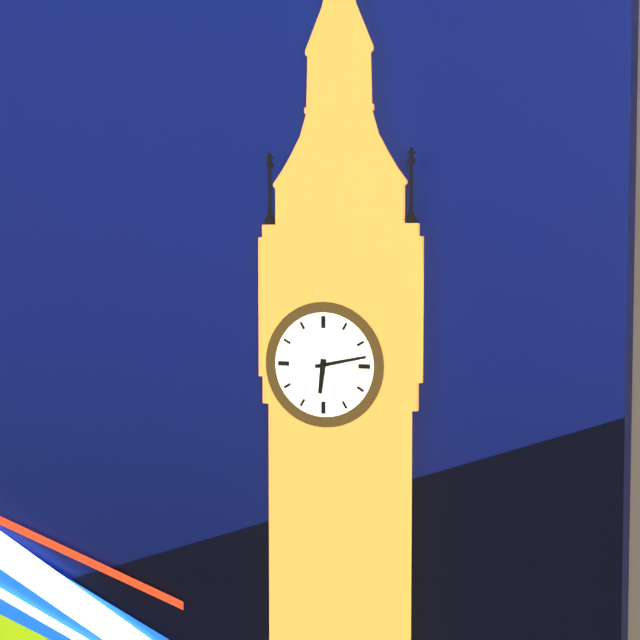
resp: 6h13
